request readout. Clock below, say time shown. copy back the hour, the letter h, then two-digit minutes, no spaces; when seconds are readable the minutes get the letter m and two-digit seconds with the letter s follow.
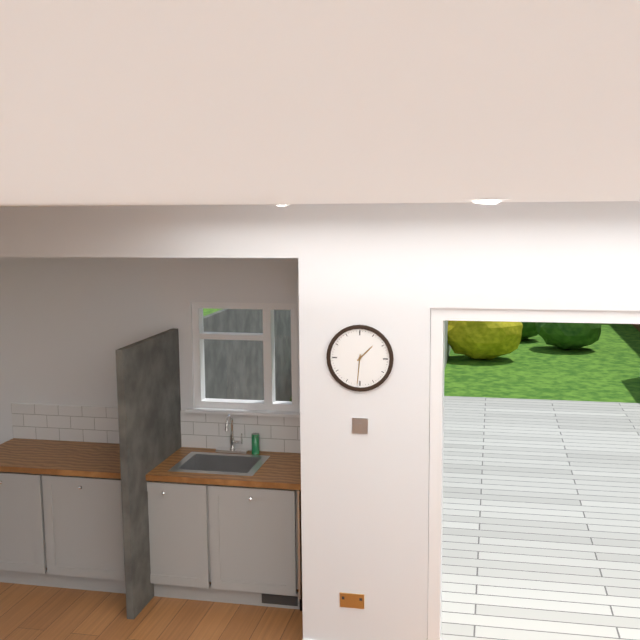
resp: 1h31
